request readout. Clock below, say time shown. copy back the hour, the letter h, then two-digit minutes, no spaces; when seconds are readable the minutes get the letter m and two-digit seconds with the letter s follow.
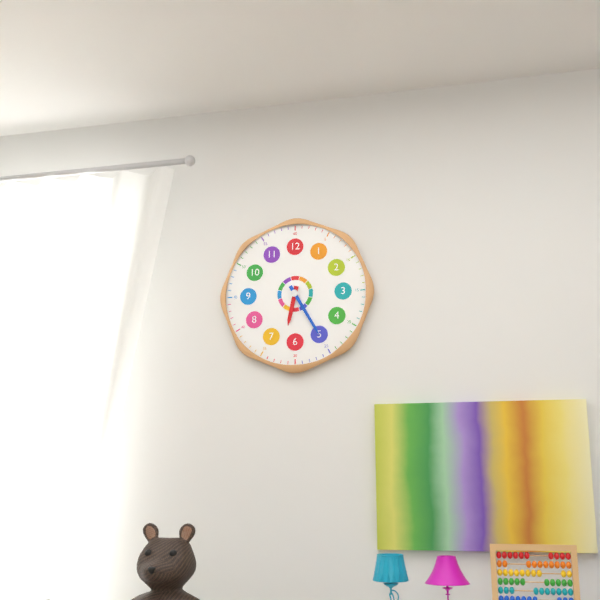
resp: 6h25
